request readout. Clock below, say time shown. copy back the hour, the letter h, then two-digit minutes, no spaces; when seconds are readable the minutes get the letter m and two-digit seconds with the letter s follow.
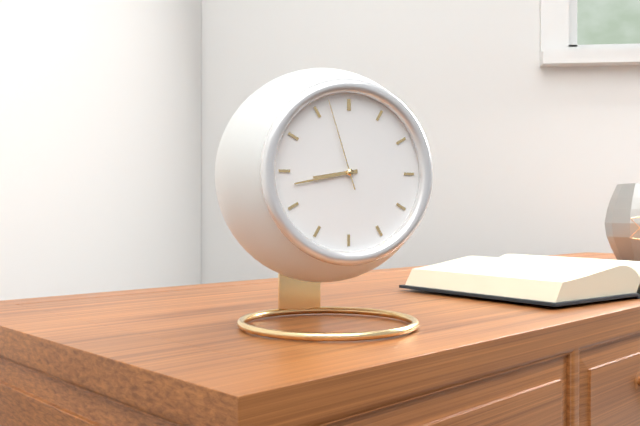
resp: 8h43m57s
